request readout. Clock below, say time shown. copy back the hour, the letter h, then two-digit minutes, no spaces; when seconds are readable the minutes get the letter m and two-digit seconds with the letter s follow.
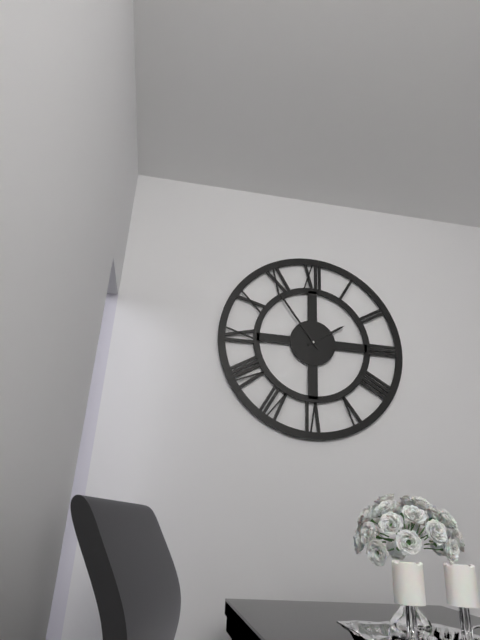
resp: 1h54
